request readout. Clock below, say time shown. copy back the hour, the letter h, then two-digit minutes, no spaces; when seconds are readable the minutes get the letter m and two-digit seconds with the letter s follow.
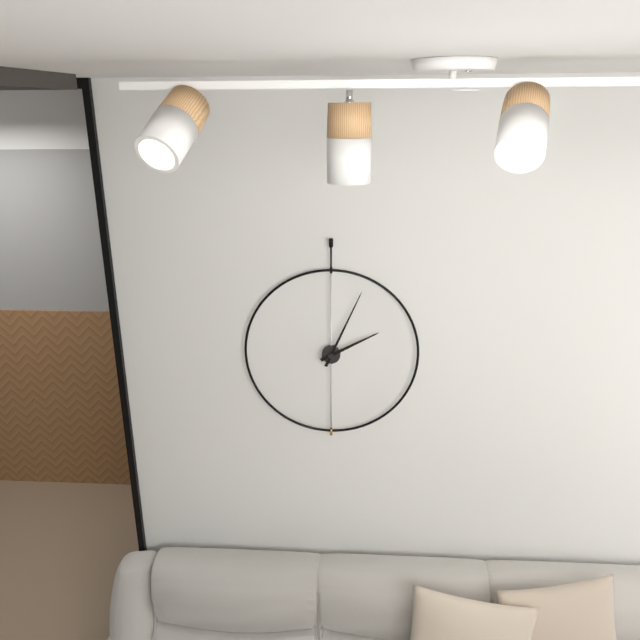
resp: 2h04
